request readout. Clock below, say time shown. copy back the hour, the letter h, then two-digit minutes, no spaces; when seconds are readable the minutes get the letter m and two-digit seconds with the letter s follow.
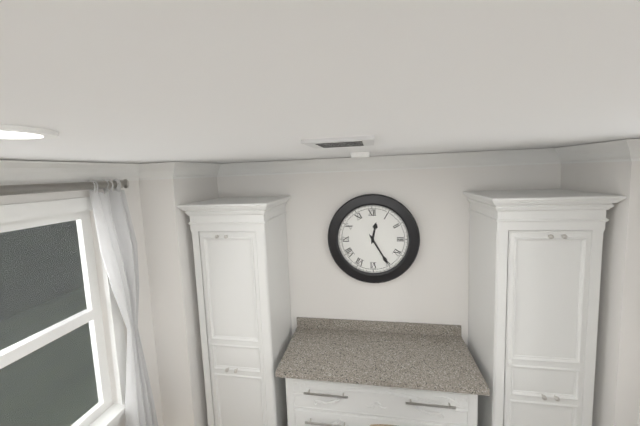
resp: 12h25
